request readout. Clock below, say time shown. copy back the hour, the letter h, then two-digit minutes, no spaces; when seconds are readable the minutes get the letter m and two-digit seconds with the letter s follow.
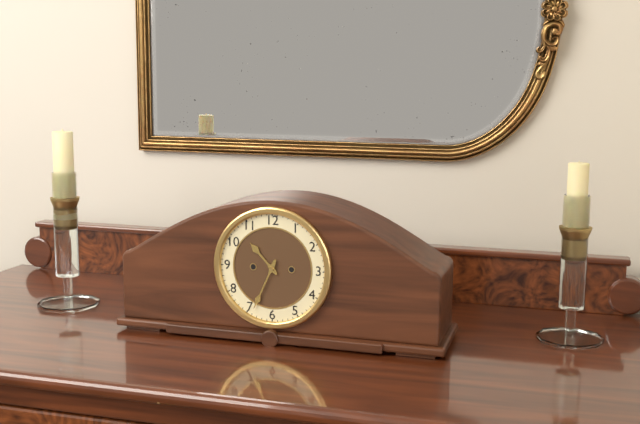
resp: 10h34
